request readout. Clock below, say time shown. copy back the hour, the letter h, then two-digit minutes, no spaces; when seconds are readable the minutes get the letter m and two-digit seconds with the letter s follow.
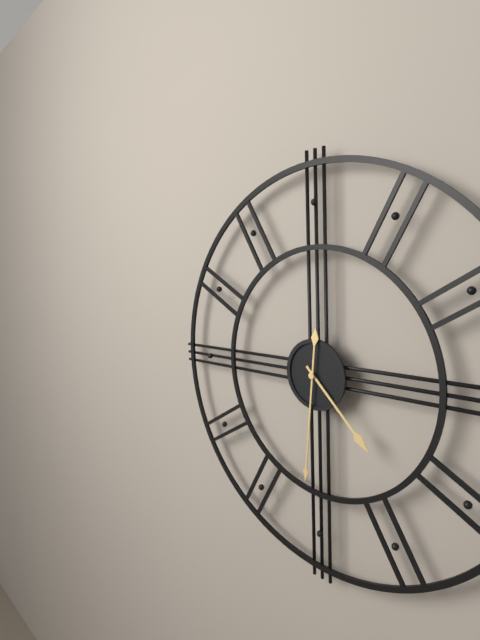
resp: 4h31
